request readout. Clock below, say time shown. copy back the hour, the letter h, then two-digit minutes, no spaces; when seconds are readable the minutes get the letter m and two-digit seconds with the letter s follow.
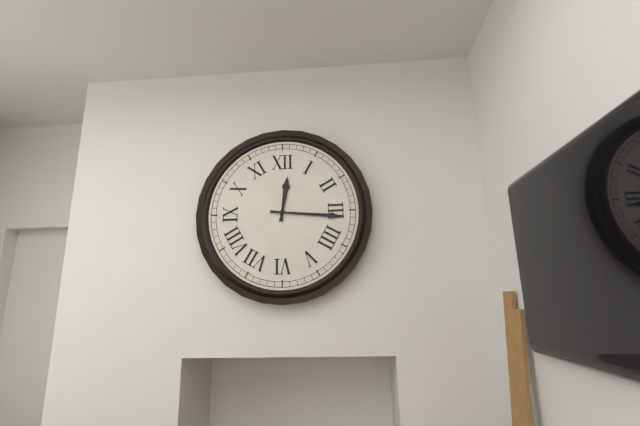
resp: 12h16
